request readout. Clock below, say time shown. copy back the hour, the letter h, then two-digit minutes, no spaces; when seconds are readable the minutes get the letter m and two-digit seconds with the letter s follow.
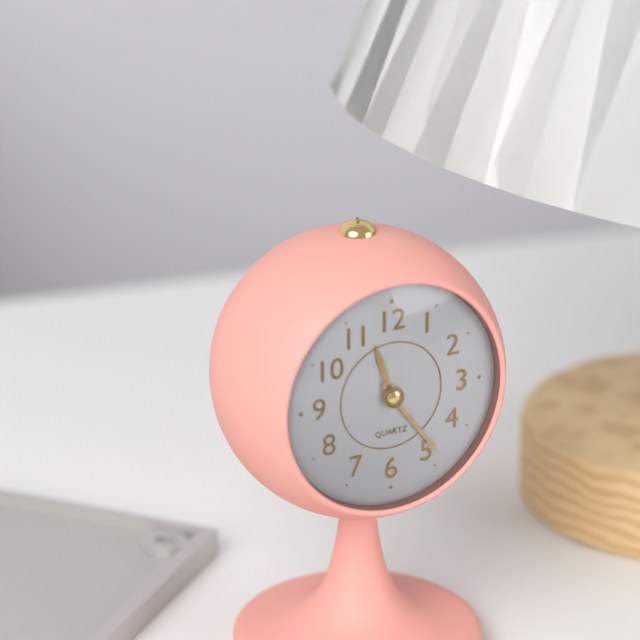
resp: 11h24
